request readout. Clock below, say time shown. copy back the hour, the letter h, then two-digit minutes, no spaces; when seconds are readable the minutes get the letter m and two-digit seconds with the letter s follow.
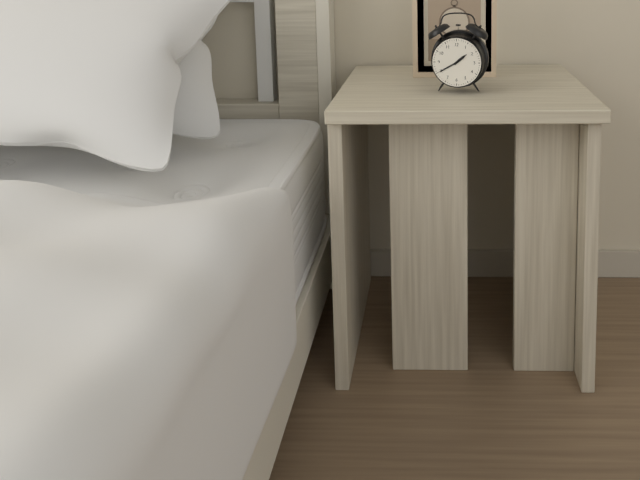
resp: 1h40
